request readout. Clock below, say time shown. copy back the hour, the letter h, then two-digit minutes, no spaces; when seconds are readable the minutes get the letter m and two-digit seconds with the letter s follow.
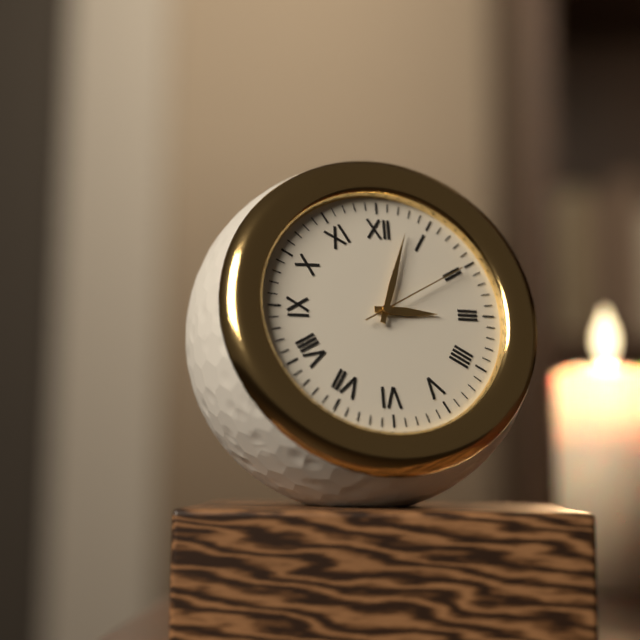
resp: 3h03m10s
